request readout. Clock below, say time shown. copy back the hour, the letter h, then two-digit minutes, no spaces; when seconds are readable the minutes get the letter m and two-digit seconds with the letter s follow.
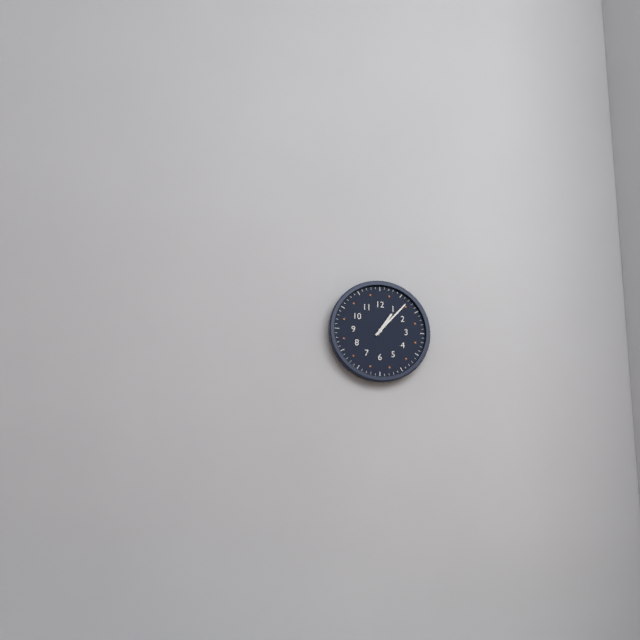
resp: 1h07
